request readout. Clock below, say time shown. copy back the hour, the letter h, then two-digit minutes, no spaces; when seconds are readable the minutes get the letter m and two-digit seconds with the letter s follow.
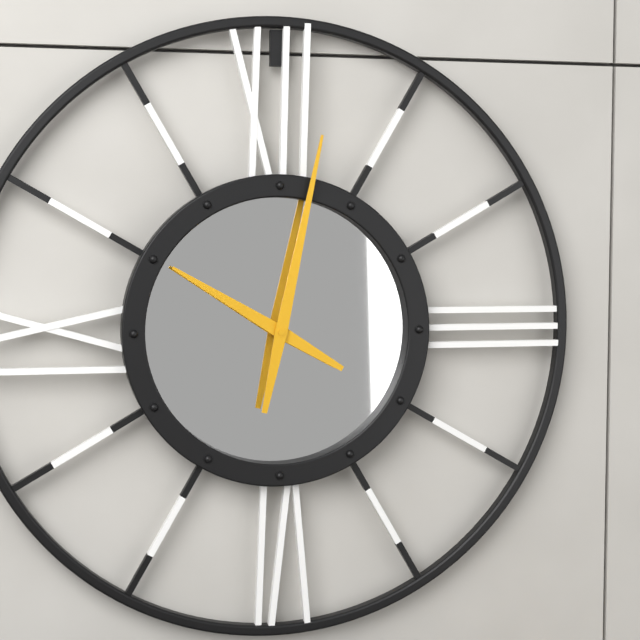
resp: 10h02
